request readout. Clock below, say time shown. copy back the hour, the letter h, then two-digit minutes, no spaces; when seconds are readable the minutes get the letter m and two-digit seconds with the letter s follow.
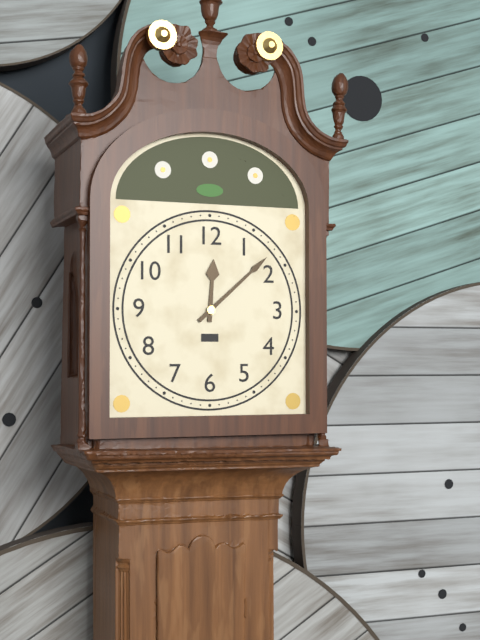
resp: 12h08
